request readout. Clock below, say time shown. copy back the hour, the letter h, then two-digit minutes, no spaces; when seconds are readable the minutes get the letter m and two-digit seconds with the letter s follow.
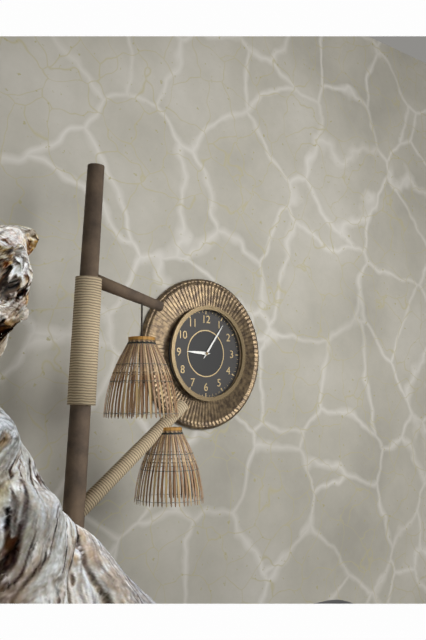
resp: 9h06
